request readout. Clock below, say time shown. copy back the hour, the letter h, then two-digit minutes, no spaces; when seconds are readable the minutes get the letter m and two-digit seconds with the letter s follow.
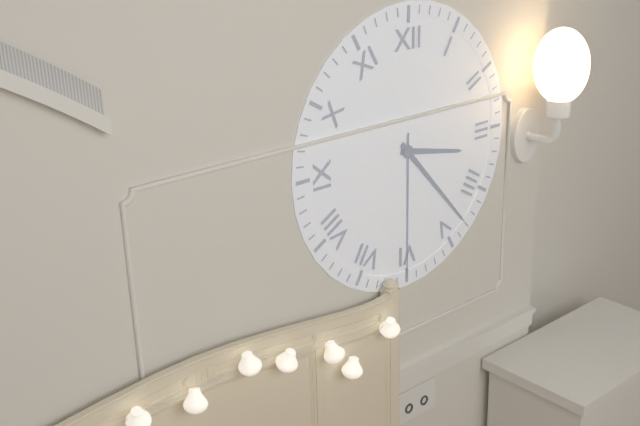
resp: 3h23m30s
